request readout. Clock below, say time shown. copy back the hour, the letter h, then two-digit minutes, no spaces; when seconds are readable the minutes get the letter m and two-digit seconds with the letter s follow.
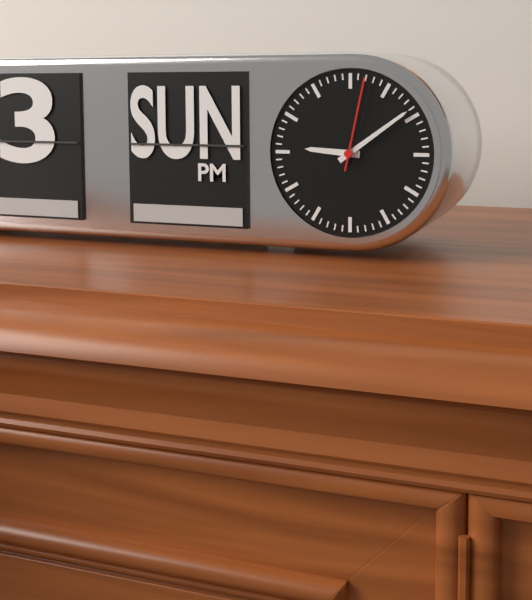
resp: 9h09m02s
